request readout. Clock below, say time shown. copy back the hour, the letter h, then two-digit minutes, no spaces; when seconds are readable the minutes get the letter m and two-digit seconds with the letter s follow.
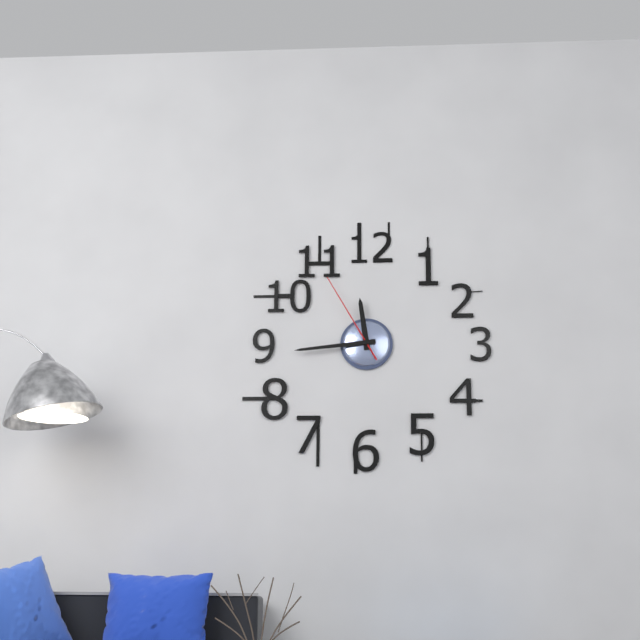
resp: 11h44m55s
